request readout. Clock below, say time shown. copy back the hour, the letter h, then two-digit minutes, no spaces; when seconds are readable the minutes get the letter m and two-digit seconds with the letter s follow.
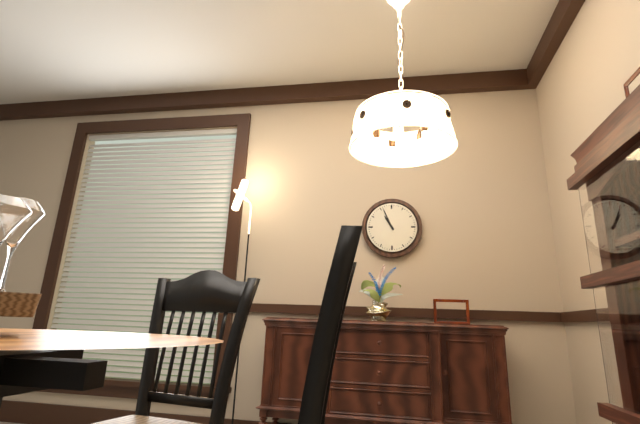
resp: 10h56
